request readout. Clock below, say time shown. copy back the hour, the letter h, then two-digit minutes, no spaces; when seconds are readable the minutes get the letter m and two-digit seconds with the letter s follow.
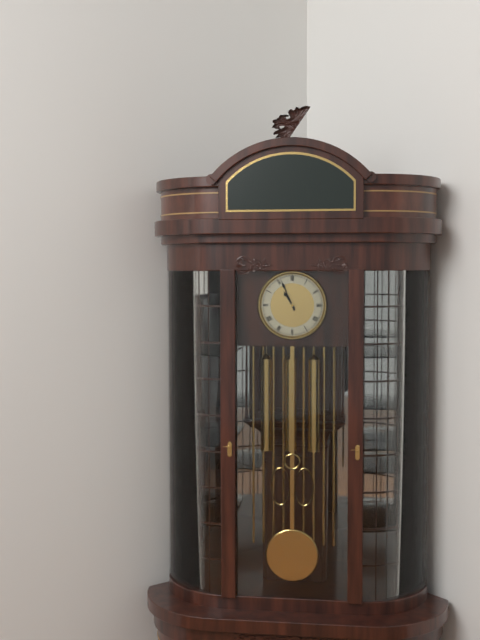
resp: 10h56
